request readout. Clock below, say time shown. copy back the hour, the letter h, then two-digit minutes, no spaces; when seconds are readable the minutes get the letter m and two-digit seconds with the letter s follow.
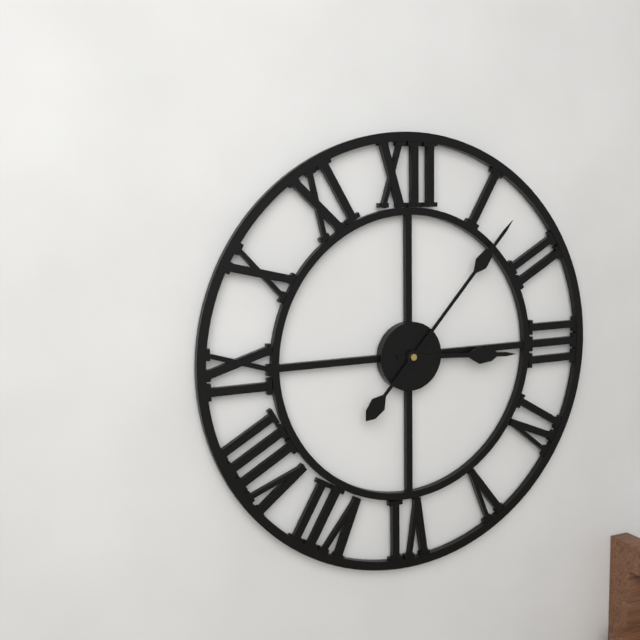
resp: 3h07
